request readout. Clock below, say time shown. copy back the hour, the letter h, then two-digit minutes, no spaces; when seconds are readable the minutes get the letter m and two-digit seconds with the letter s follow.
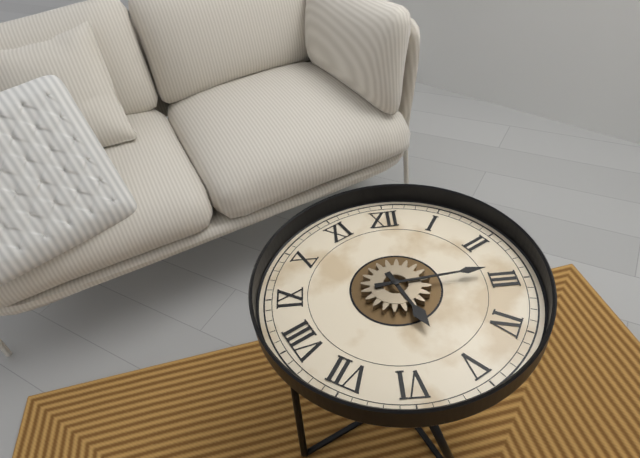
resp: 5h14
